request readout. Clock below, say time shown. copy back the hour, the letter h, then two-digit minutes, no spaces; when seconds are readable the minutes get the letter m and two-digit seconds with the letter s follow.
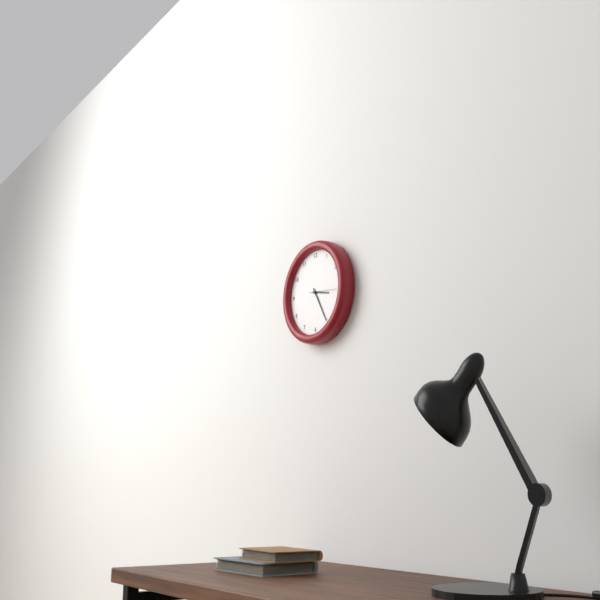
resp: 3h25
